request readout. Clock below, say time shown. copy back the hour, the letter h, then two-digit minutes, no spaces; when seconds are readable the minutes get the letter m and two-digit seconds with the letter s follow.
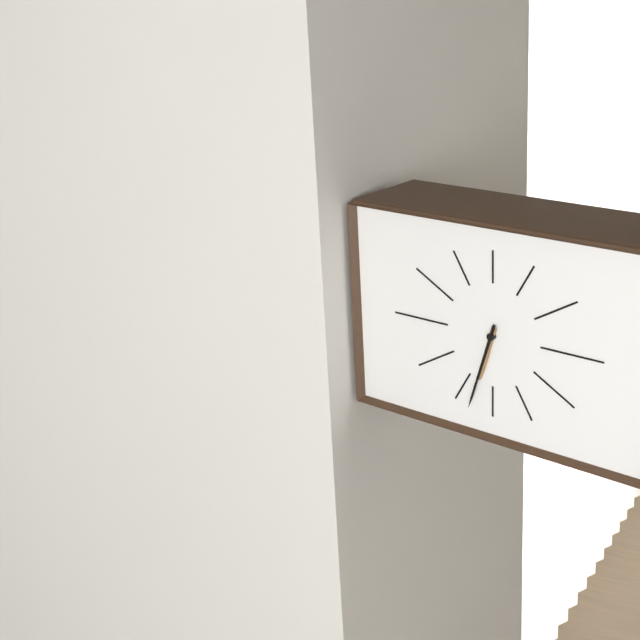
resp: 6h33
